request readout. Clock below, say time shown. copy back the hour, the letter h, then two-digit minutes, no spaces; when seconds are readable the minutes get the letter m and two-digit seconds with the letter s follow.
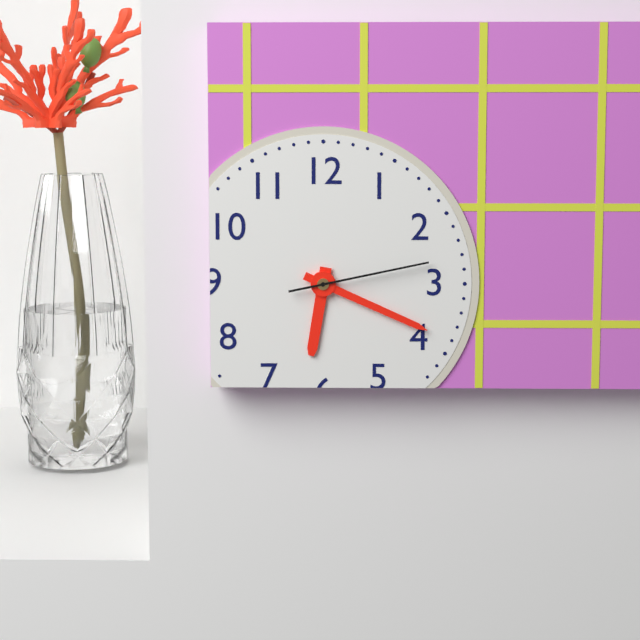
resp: 6h19m13s
